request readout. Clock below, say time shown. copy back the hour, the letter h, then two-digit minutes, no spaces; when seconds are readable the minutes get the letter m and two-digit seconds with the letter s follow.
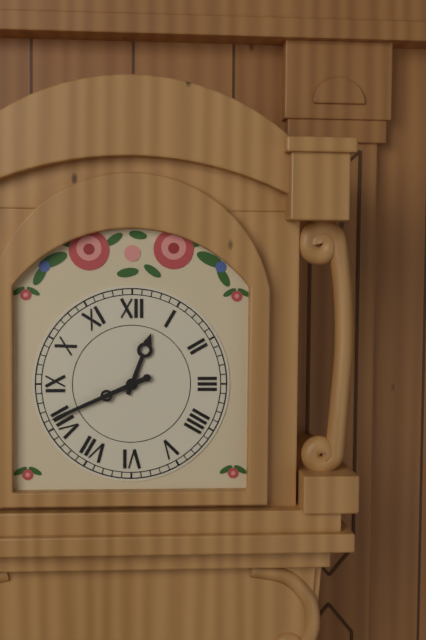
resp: 12h41
